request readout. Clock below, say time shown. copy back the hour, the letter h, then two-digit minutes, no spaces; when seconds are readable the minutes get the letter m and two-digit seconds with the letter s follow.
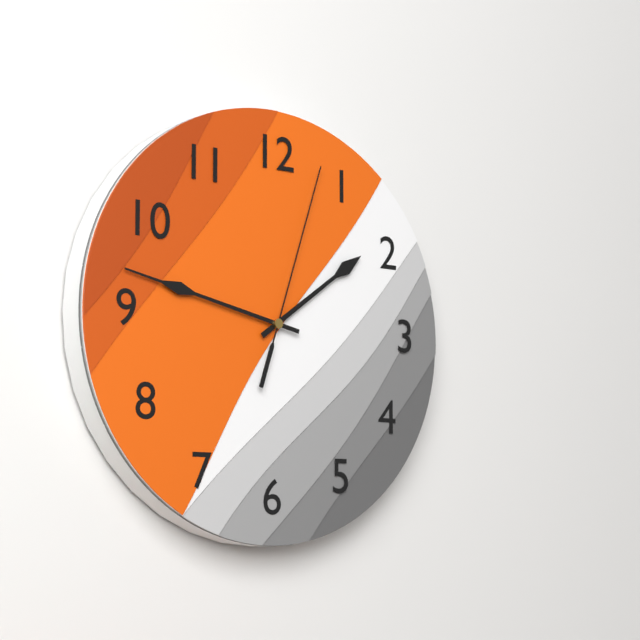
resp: 1h47m03s
